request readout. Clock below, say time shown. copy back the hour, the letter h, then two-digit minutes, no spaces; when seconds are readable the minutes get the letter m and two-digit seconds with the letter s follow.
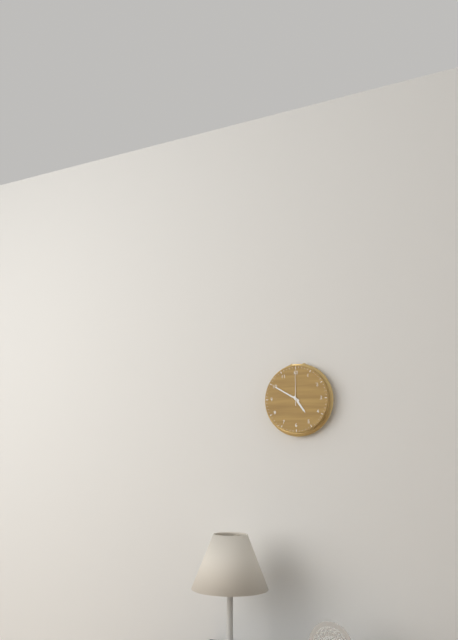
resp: 4h50
